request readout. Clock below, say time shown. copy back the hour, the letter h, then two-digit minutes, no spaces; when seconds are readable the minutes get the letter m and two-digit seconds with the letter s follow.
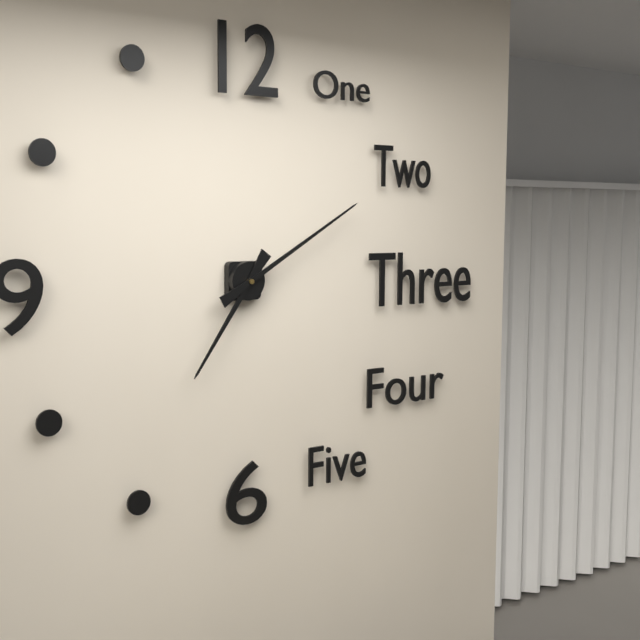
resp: 7h10
